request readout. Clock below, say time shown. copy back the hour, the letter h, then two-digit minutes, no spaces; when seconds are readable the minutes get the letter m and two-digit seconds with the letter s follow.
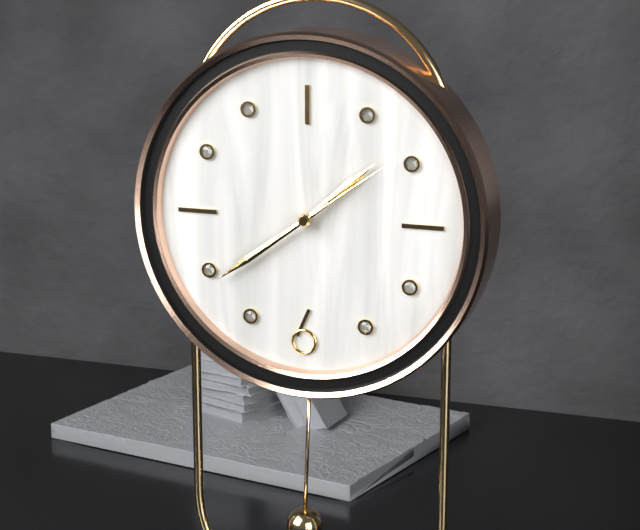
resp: 1h39m09s
